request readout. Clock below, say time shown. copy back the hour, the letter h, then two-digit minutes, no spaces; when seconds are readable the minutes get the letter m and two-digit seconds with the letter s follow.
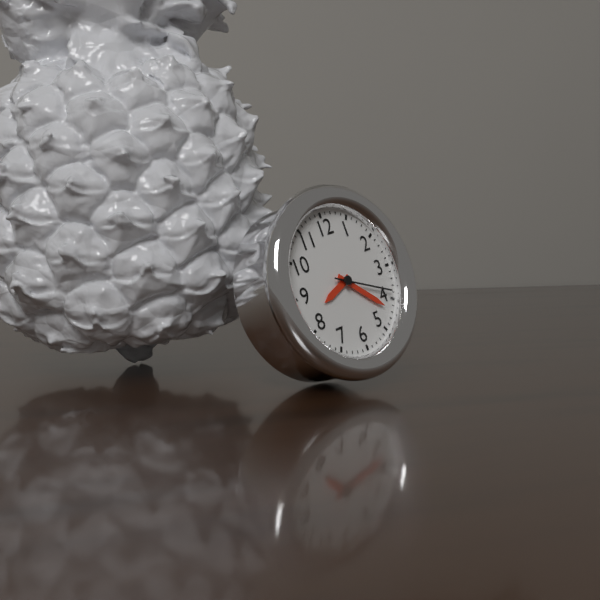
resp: 8h22m19s
